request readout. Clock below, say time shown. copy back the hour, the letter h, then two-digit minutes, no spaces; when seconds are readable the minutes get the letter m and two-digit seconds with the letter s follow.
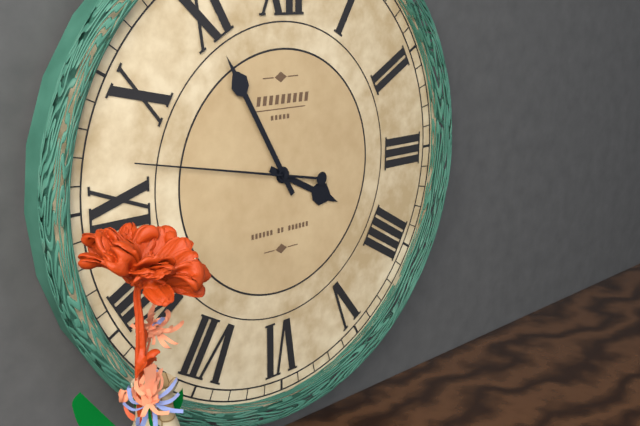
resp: 3h55m47s
